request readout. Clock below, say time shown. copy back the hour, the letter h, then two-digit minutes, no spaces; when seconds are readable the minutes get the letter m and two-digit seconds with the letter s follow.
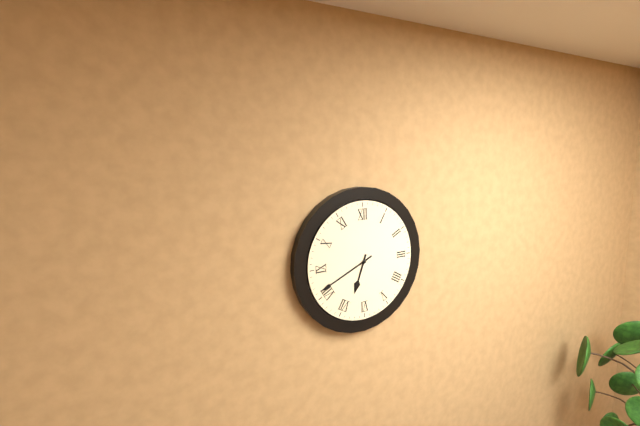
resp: 6h41
